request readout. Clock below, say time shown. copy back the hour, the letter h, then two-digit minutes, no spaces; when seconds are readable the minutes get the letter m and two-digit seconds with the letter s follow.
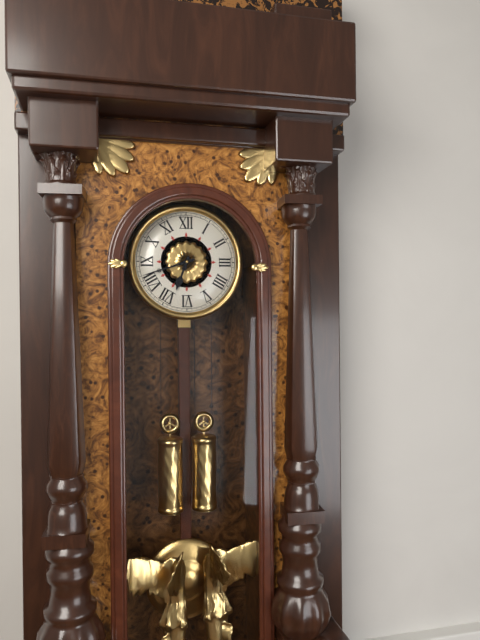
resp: 6h42
